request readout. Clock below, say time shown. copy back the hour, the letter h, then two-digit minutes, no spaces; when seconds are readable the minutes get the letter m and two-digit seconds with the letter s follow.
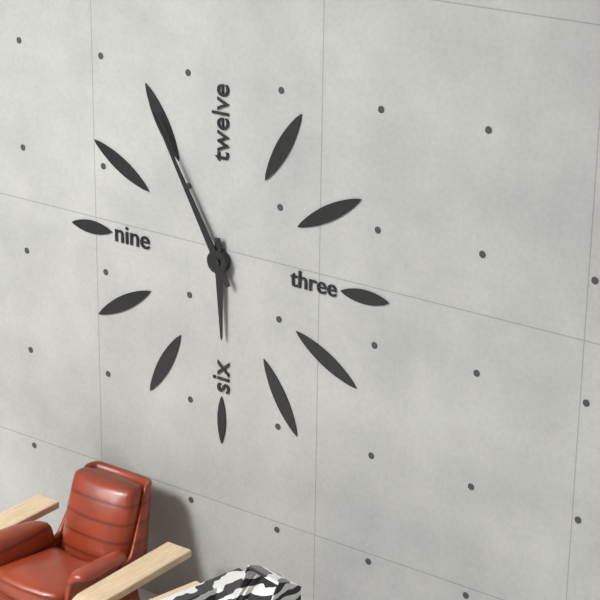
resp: 5h55
